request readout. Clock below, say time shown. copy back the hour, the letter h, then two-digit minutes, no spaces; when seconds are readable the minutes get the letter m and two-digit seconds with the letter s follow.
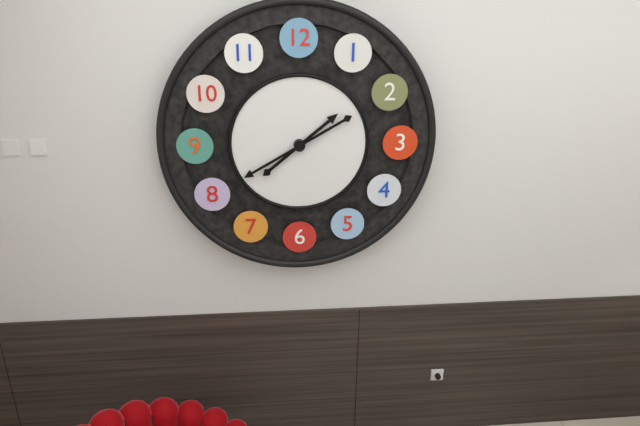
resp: 1h40
